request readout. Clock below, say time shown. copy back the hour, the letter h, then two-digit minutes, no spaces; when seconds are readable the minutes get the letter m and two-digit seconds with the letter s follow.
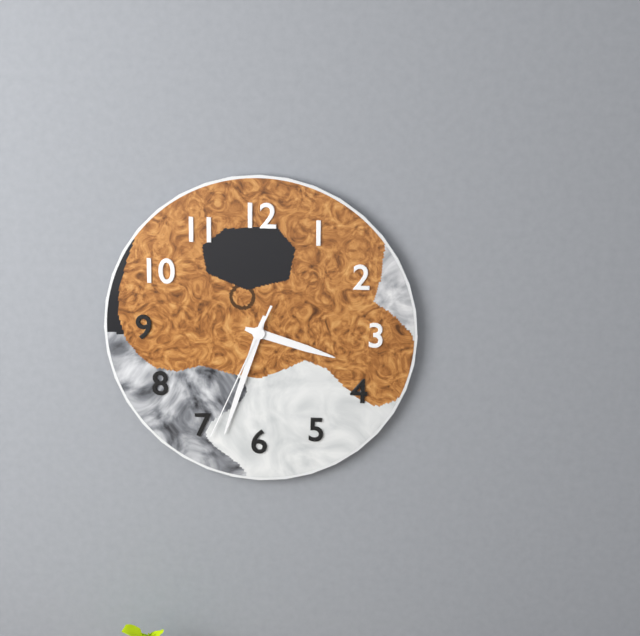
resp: 3h33m34s
